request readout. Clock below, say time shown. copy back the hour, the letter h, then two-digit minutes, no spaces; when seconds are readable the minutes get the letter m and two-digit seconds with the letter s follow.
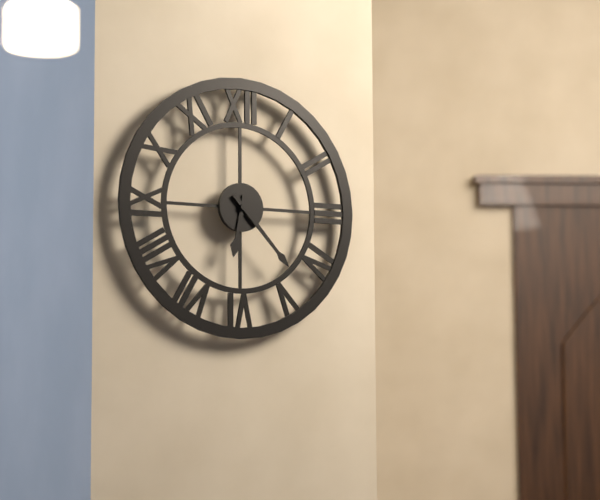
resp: 6h23
